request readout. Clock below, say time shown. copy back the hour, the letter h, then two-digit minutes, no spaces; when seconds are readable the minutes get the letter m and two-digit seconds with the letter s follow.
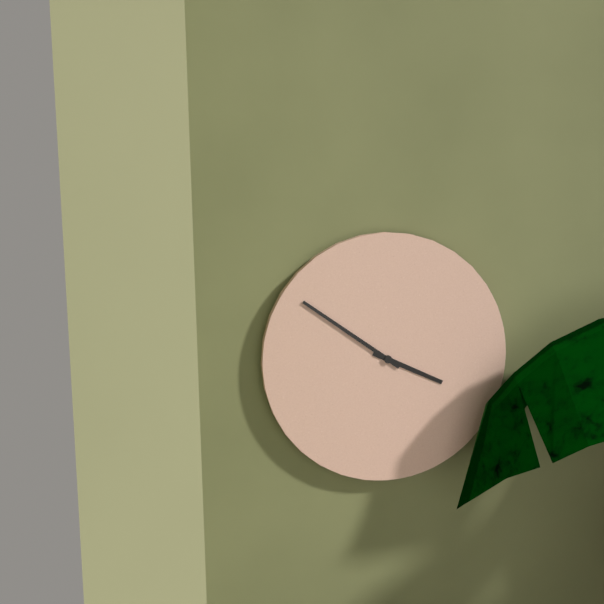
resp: 3h51
